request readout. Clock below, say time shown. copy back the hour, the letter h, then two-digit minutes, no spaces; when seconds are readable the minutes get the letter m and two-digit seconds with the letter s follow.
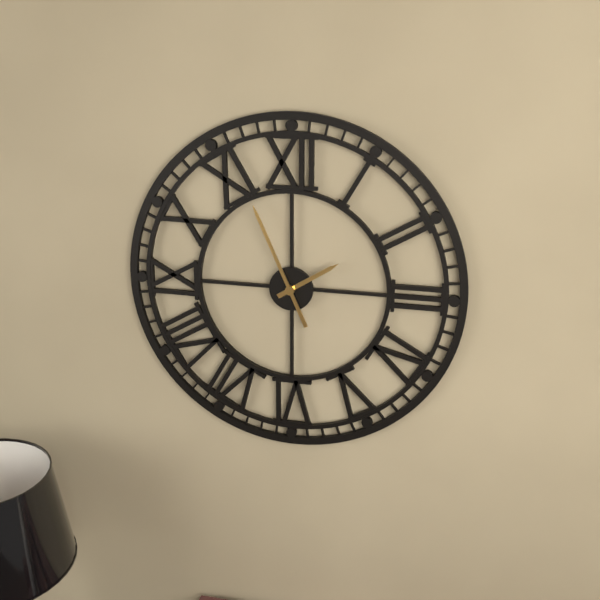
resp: 1h56
